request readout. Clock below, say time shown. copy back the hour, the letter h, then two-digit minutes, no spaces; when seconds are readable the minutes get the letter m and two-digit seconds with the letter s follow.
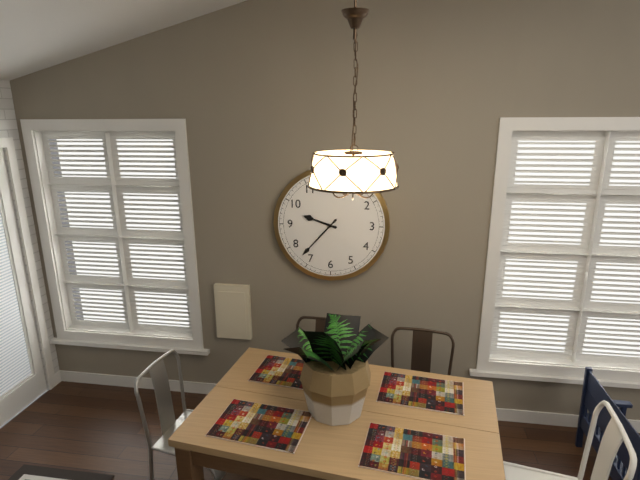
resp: 9h37
